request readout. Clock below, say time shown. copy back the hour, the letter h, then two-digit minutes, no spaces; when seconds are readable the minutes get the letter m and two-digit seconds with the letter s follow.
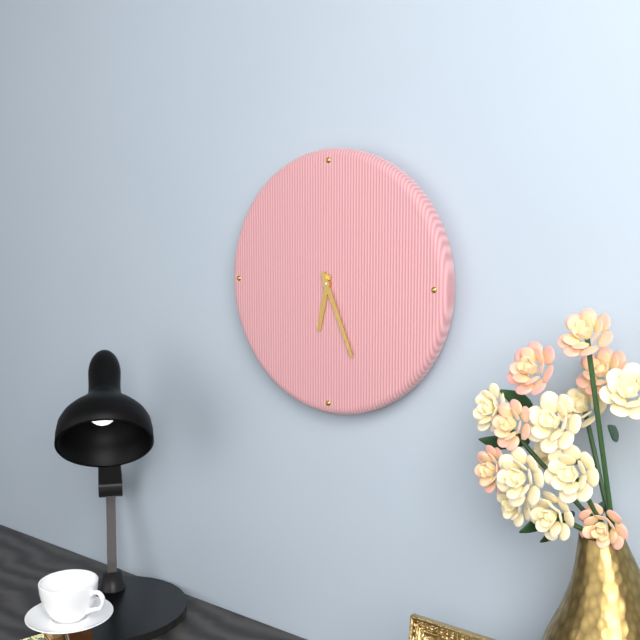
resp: 6h26
